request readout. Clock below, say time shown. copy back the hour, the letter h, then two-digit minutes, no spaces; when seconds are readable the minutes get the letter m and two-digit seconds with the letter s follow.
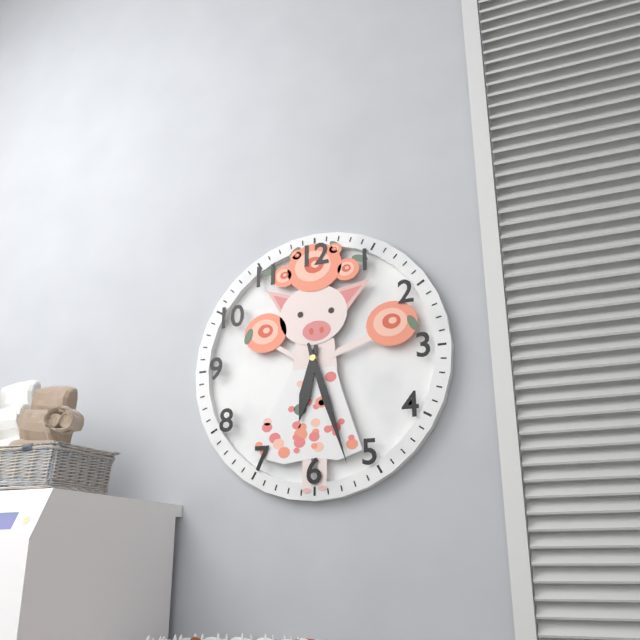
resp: 6h27
